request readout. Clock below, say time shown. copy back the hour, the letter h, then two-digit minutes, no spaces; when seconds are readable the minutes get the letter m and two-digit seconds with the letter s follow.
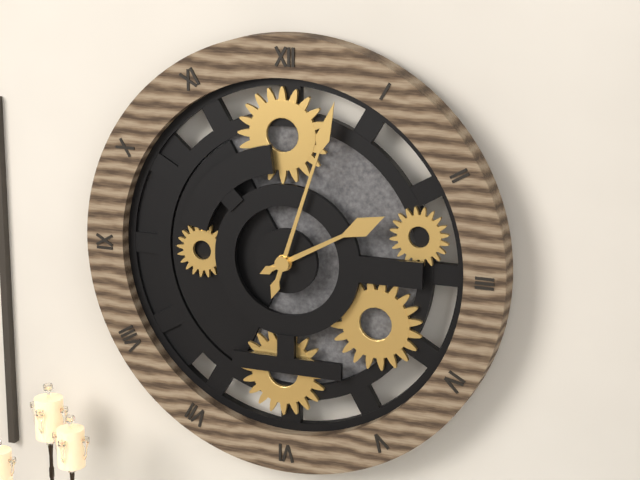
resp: 2h03
